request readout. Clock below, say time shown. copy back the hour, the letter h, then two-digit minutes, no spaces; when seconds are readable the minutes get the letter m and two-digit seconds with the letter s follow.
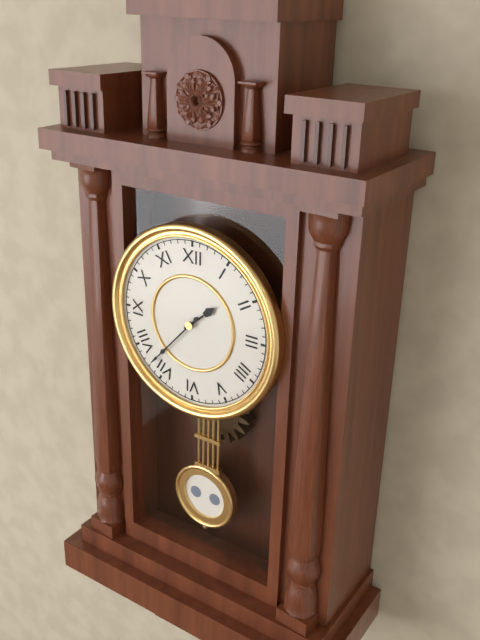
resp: 1h37
